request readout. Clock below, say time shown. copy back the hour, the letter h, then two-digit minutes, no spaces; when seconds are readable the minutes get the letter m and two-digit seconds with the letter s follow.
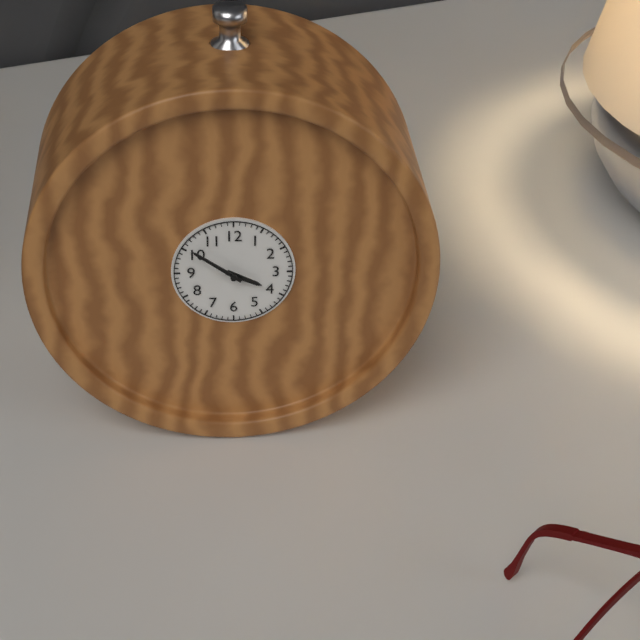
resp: 3h51
